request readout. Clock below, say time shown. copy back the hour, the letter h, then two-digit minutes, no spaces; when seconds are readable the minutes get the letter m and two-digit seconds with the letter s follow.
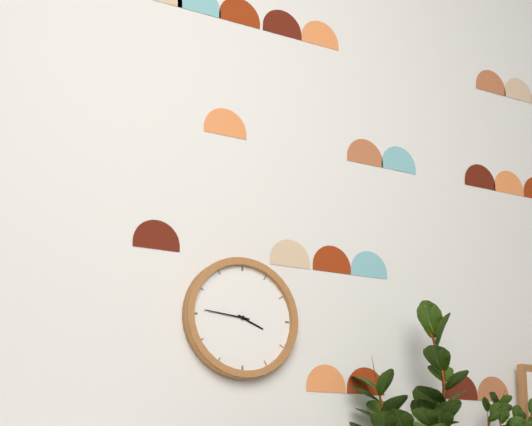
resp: 3h46
